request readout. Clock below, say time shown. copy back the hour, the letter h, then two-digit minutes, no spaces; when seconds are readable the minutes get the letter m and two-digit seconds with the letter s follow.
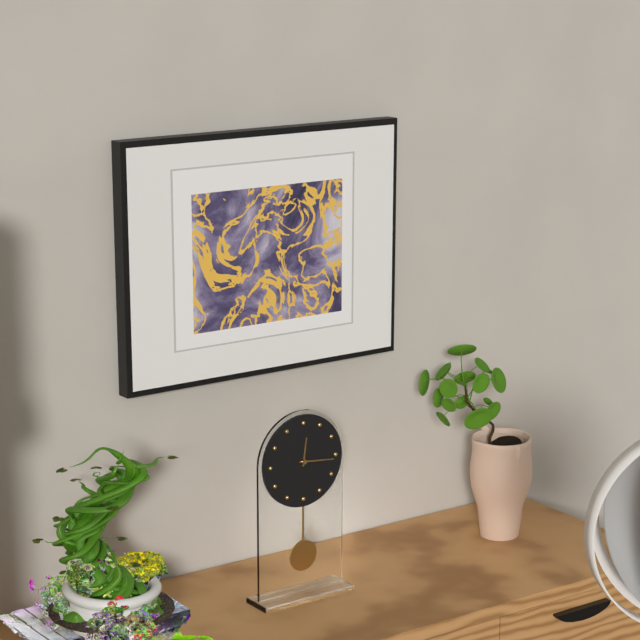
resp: 12h16
